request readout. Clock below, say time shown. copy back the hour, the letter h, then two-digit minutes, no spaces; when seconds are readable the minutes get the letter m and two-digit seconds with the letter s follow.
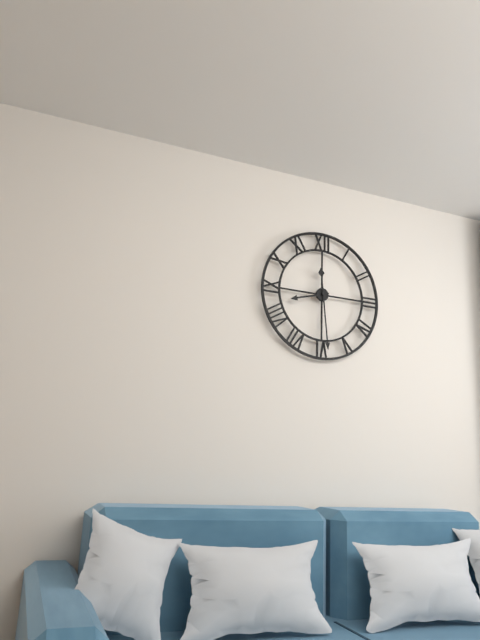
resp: 8h29
